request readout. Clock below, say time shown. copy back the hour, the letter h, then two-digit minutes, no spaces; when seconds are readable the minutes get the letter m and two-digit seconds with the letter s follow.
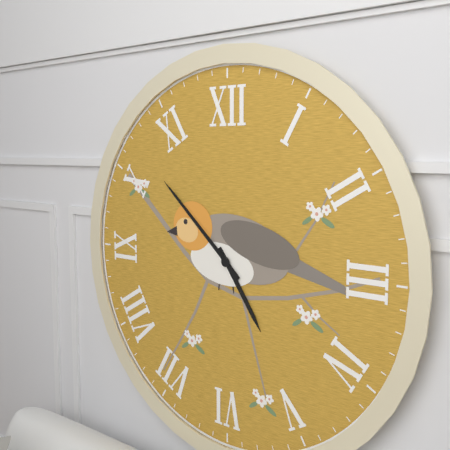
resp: 4h52
